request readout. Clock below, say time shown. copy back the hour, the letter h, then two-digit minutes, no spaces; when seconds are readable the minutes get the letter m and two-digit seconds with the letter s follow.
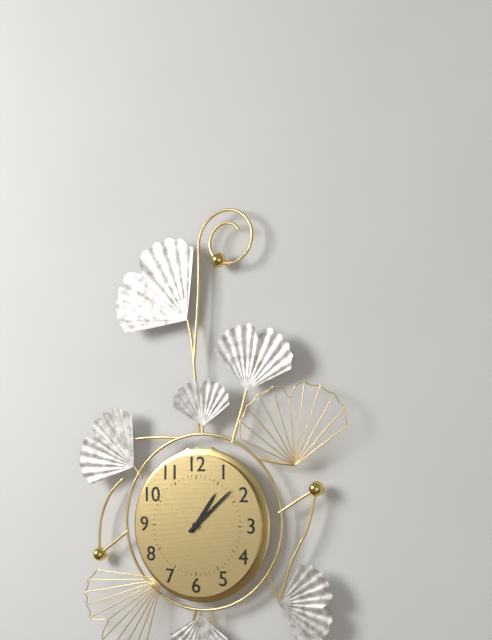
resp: 1h08
